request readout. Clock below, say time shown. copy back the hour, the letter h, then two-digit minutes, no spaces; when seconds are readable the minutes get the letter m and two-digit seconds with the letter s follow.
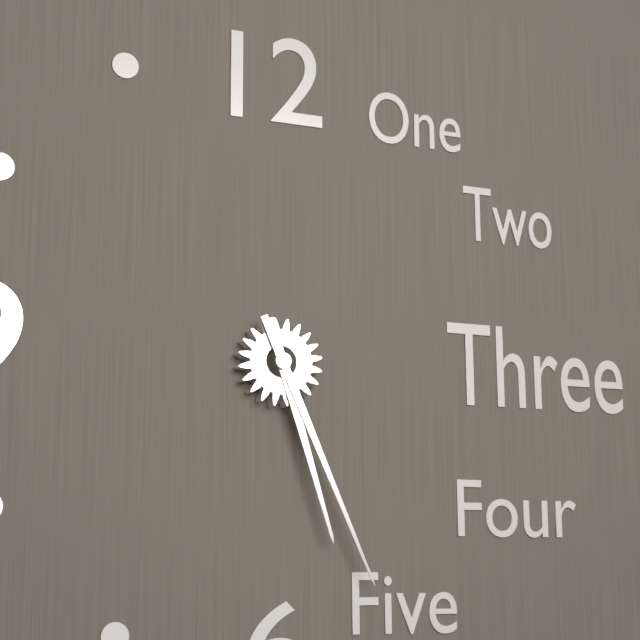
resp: 5h26
